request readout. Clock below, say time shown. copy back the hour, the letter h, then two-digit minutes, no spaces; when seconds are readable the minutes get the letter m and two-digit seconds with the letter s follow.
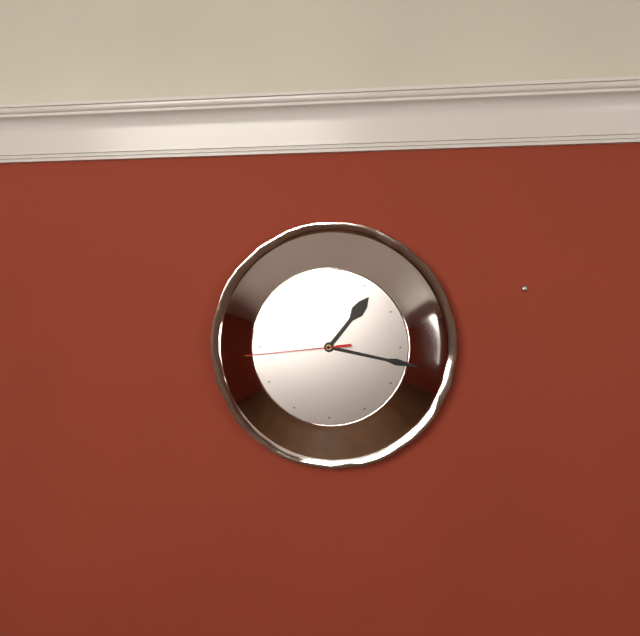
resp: 1h17m44s
